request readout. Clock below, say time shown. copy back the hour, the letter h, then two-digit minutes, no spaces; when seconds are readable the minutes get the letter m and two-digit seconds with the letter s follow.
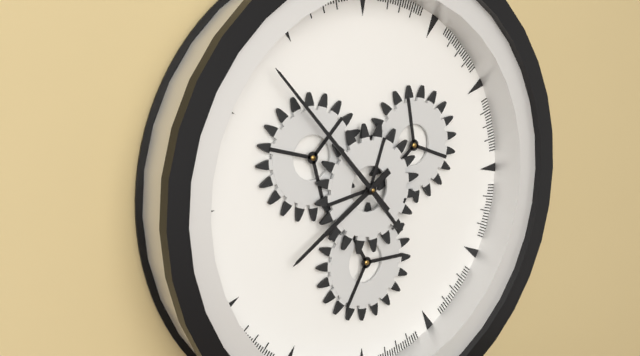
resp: 7h53
